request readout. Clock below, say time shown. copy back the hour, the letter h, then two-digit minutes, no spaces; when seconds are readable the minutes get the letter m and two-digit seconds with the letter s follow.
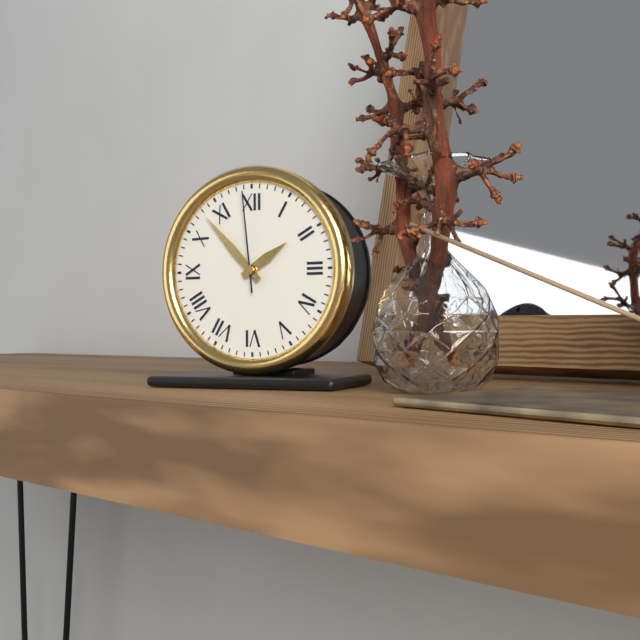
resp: 1h53m59s
